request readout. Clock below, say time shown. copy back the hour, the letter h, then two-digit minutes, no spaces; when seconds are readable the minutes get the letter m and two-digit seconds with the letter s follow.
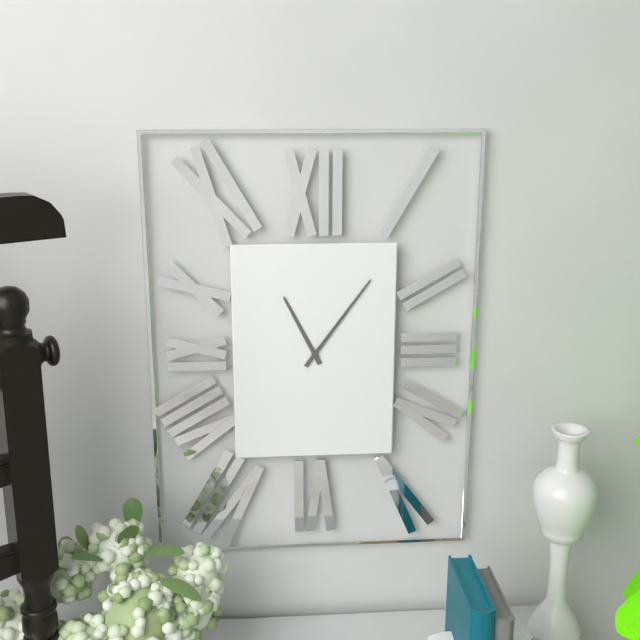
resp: 11h06
